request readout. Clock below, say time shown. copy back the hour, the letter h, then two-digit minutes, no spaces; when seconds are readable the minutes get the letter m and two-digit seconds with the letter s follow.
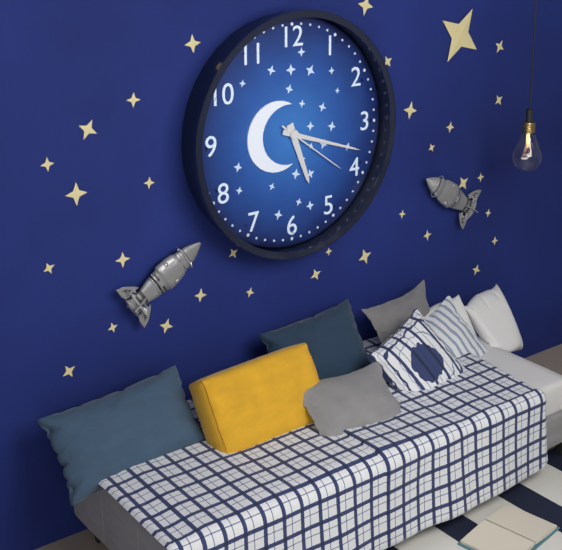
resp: 5h18m21s
